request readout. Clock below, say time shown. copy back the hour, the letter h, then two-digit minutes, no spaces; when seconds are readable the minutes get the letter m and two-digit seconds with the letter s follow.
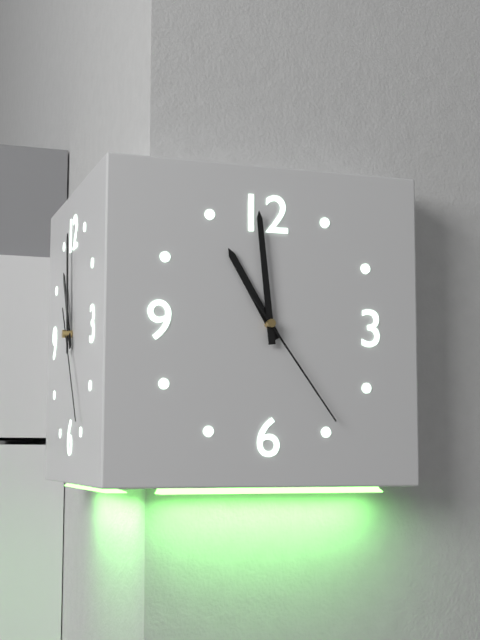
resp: 10h59m24s
